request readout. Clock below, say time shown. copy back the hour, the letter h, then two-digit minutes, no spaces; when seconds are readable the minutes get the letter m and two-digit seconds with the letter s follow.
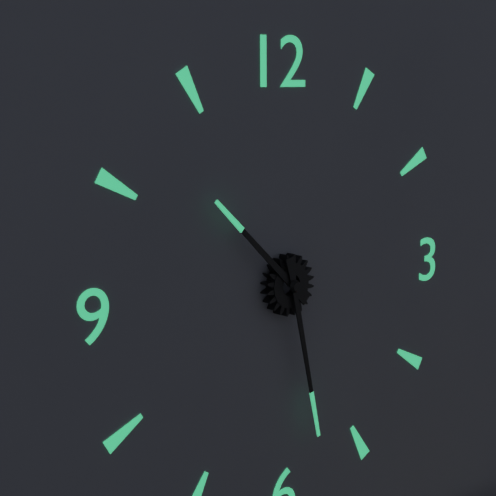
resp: 10h28
